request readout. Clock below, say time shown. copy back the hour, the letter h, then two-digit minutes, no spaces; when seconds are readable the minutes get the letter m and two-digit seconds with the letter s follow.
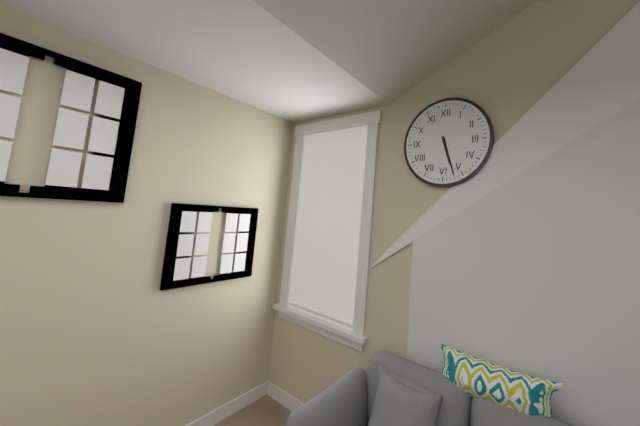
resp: 5h27
